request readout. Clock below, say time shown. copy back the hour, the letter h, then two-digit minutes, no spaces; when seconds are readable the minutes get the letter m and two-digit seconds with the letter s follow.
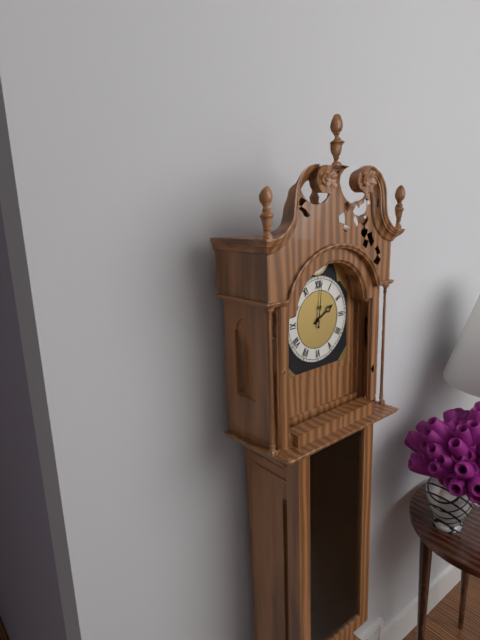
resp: 2h01
